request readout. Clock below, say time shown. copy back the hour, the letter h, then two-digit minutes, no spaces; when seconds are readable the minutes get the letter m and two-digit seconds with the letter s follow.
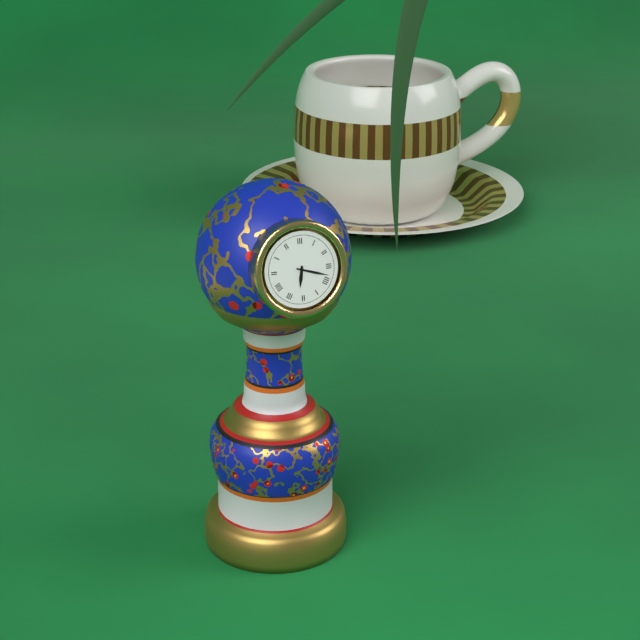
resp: 6h18
